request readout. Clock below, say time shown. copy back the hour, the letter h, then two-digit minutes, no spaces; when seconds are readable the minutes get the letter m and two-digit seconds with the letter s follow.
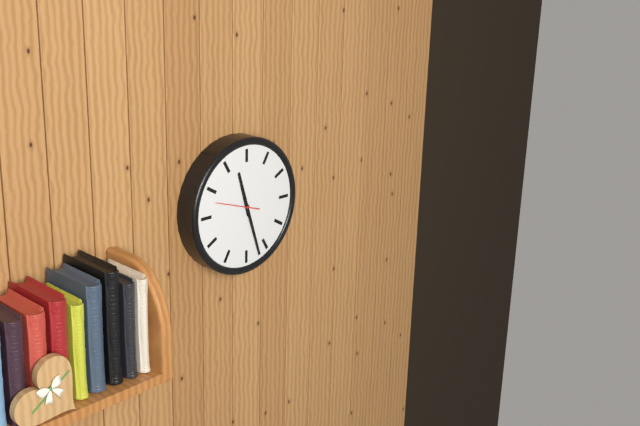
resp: 11h27
